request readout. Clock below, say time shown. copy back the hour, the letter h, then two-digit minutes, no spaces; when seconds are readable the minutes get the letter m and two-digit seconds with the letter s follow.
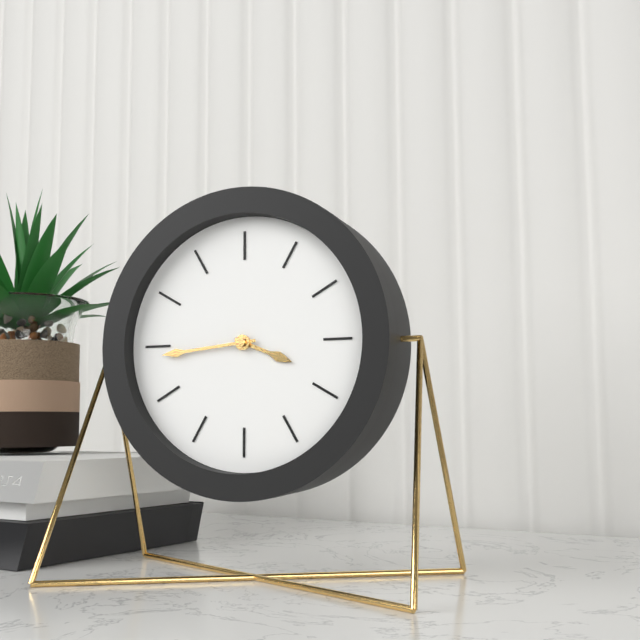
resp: 3h44
